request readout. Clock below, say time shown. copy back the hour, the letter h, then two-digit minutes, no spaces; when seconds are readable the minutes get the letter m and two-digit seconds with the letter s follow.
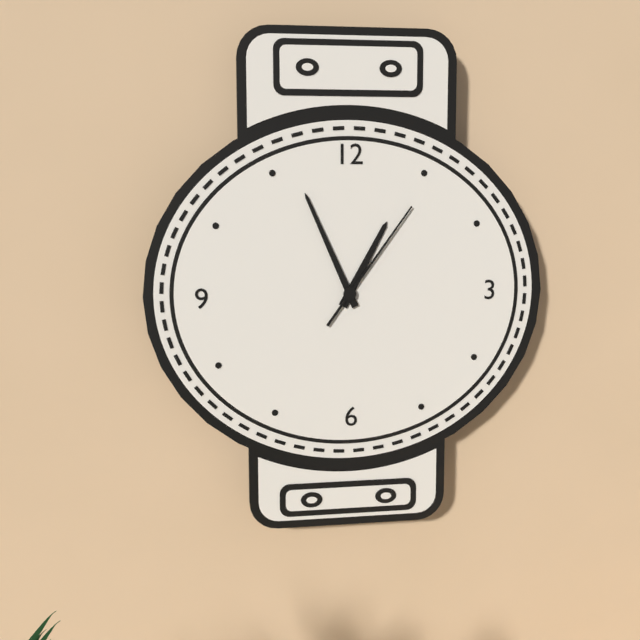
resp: 12h56m06s
